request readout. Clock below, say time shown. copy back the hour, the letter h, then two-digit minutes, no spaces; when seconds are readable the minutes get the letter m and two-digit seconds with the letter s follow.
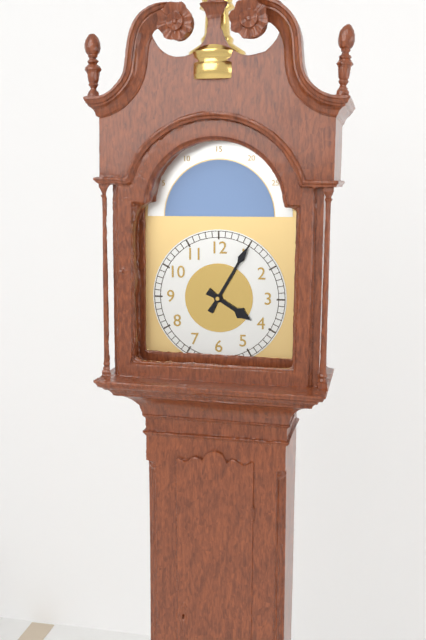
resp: 4h05
